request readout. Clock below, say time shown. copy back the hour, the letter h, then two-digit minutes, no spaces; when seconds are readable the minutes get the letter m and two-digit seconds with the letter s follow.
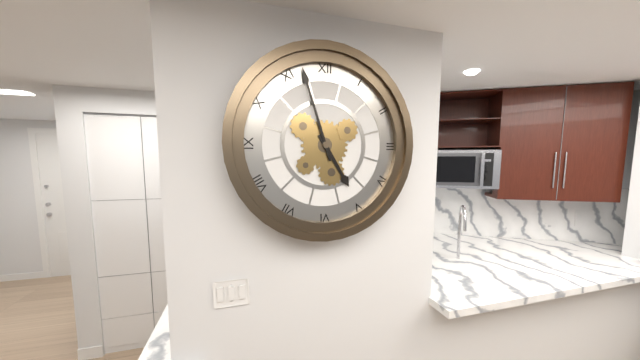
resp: 4h57
